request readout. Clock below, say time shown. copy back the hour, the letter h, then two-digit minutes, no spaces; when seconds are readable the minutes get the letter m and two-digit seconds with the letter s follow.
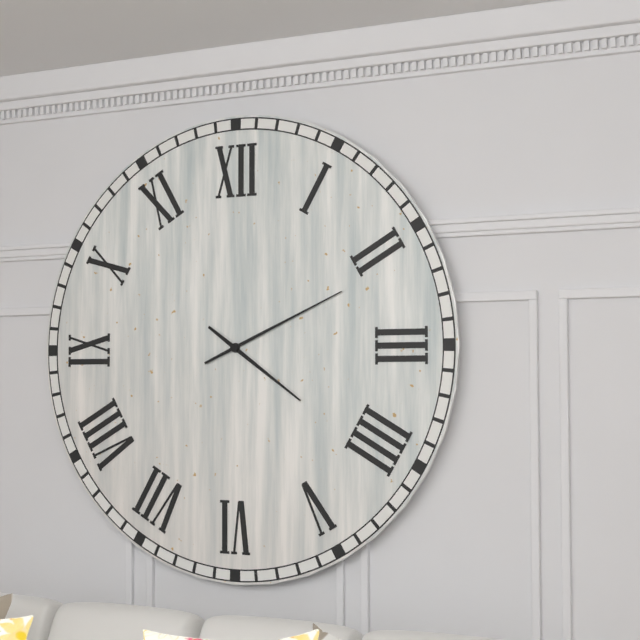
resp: 4h11
